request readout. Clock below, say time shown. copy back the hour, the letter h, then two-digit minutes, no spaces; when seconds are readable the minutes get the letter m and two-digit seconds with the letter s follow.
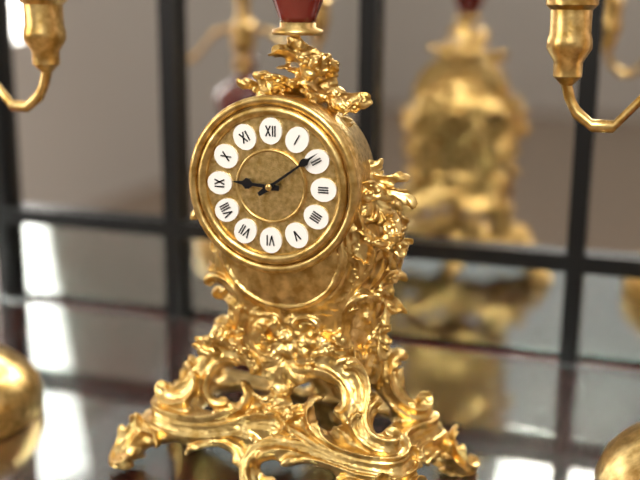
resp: 9h09
